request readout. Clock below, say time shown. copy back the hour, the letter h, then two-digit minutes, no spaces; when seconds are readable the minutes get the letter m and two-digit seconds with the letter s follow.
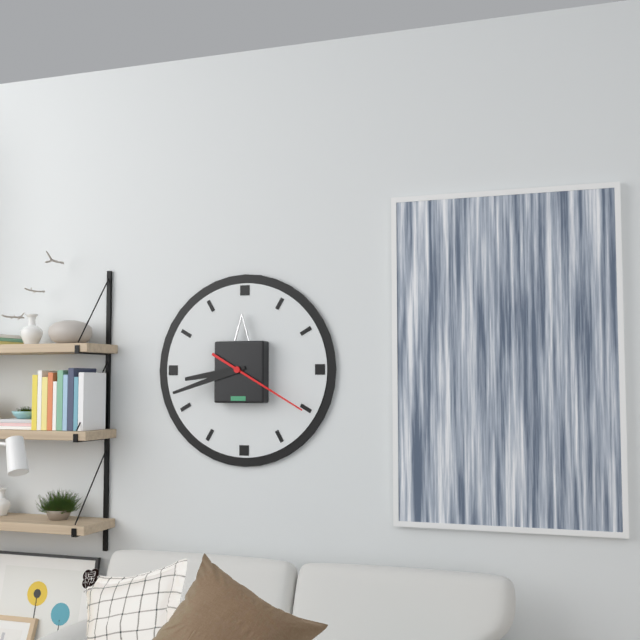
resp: 8h42m20s
